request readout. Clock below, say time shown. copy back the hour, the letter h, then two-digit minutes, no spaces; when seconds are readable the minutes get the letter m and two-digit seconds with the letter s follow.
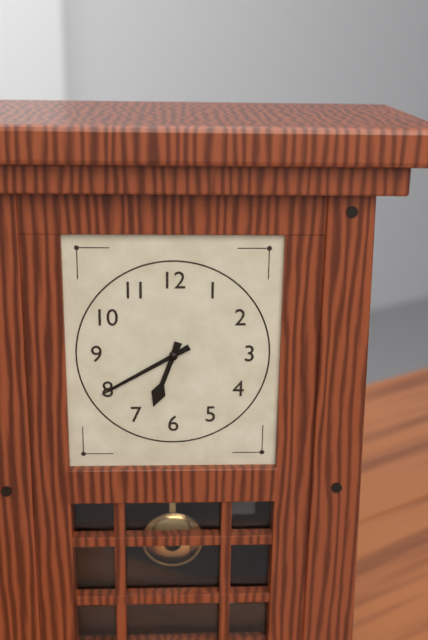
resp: 6h40
